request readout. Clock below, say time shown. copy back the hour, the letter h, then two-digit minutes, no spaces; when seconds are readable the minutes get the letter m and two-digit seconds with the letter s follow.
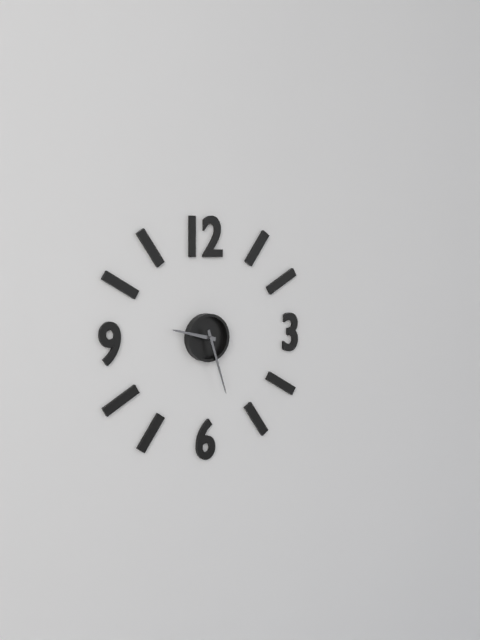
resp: 9h27
